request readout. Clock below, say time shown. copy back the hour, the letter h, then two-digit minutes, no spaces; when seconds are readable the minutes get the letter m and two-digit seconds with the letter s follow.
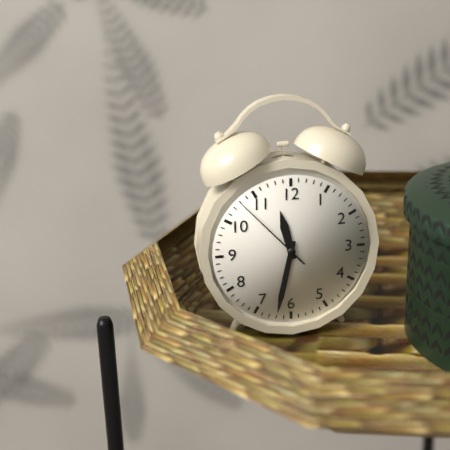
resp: 11h32m53s
